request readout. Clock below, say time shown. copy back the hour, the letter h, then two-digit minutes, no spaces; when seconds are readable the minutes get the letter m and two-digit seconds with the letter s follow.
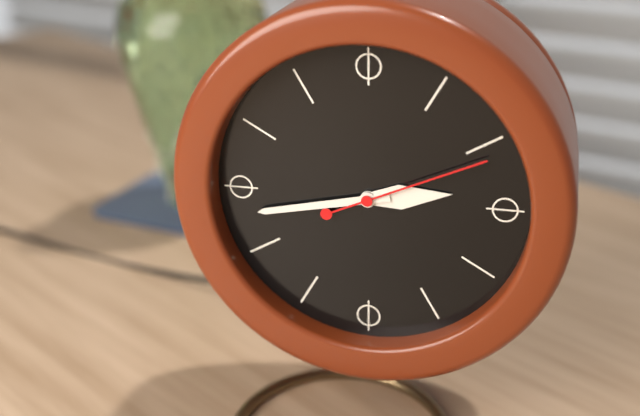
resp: 2h43m11s
